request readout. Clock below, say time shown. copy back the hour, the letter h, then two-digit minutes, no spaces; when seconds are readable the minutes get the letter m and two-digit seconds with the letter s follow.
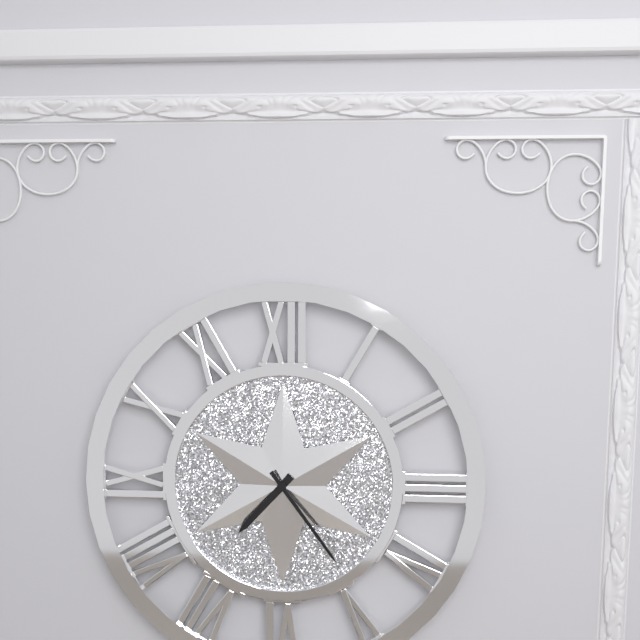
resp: 7h24
